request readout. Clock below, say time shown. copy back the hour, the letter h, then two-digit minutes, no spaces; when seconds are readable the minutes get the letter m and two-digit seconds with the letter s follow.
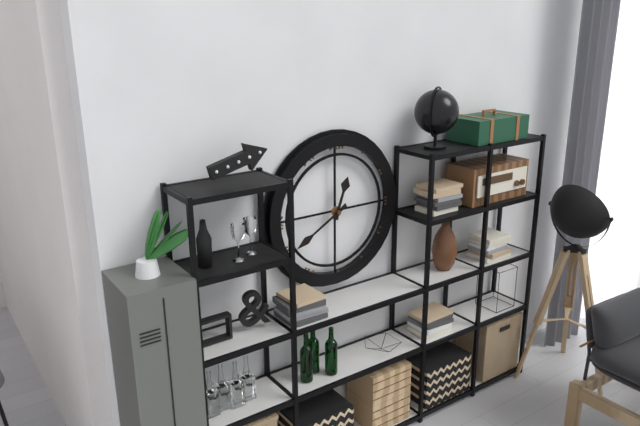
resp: 12h40
